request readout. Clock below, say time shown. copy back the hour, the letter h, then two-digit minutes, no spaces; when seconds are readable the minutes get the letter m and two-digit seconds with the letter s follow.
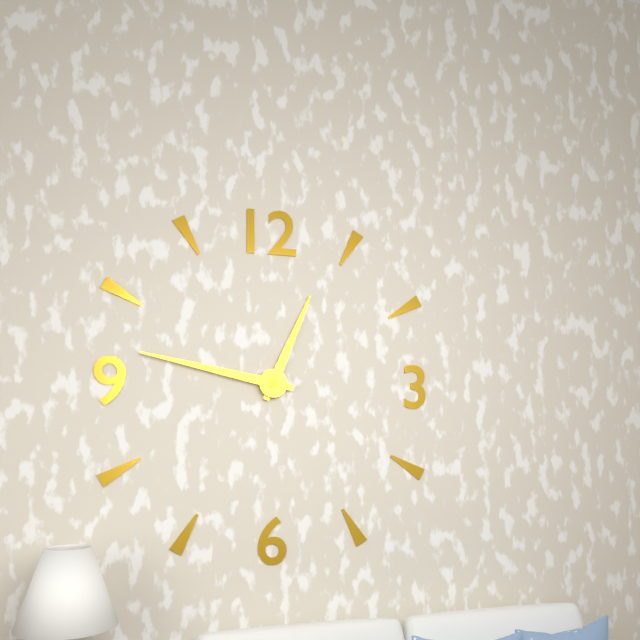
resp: 12h47
